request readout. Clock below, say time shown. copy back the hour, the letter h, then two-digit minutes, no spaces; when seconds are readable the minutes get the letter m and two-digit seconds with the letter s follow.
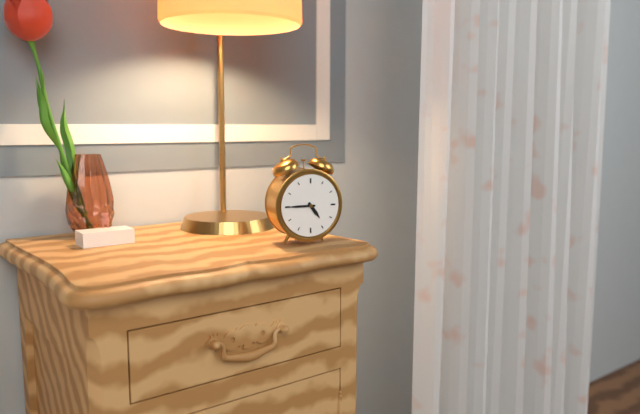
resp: 4h45
